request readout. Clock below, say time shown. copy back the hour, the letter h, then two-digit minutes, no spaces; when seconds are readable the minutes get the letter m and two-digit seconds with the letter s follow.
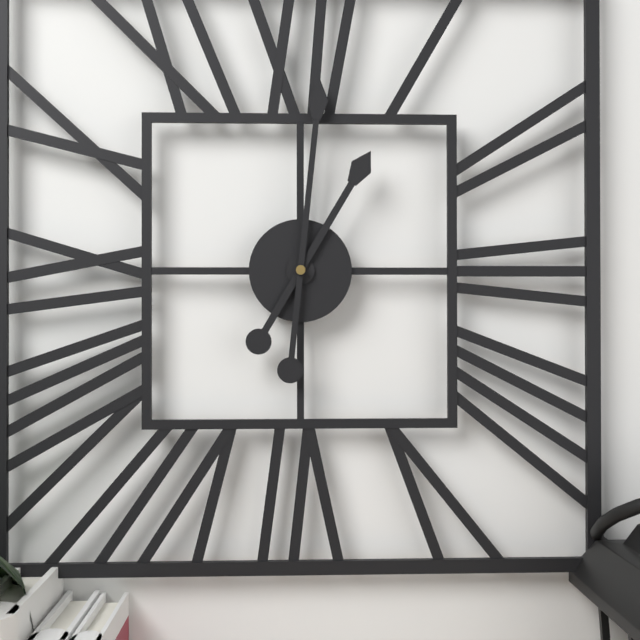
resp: 1h01
